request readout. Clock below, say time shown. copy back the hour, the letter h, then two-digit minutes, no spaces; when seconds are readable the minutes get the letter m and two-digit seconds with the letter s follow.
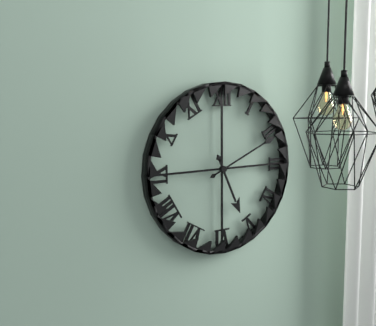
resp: 5h11
